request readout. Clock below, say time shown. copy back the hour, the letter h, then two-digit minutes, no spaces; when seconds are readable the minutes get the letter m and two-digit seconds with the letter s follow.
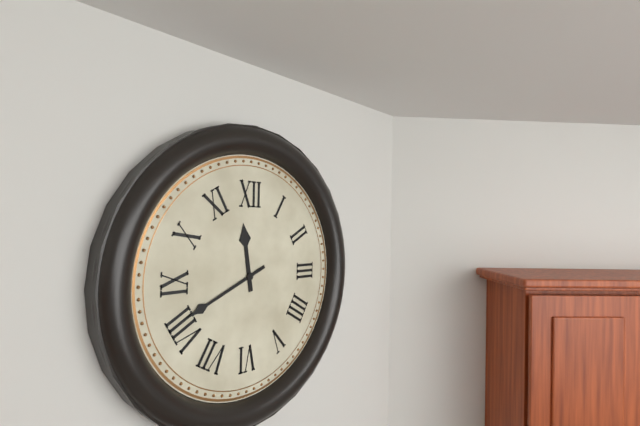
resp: 11h41
